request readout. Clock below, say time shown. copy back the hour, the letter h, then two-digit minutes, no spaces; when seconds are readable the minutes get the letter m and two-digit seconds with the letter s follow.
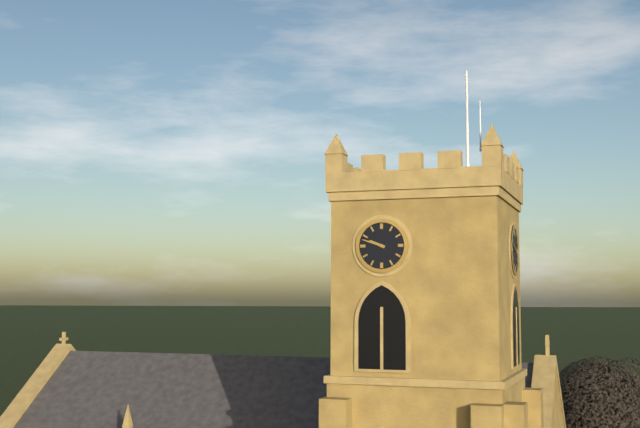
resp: 9h48
